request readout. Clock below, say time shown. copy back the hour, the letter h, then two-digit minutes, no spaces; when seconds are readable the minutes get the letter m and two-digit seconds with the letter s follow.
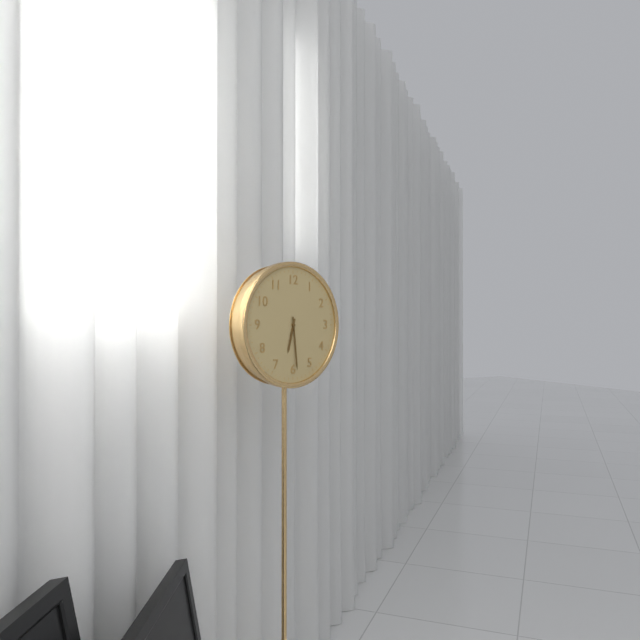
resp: 6h29
